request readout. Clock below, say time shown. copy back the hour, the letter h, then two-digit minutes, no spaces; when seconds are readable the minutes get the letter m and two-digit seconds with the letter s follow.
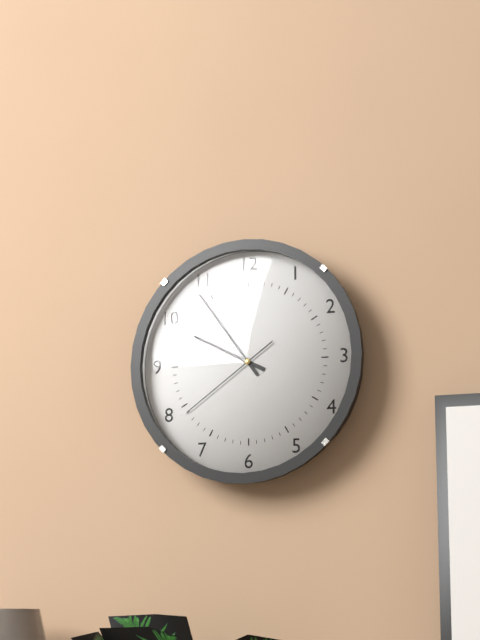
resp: 9h54m39s
